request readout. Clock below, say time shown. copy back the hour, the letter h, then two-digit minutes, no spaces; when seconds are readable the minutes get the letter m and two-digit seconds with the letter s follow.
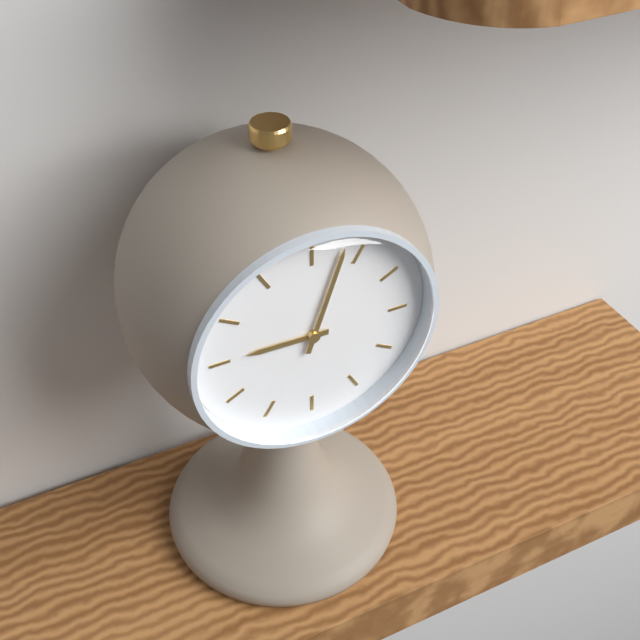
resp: 9h03
